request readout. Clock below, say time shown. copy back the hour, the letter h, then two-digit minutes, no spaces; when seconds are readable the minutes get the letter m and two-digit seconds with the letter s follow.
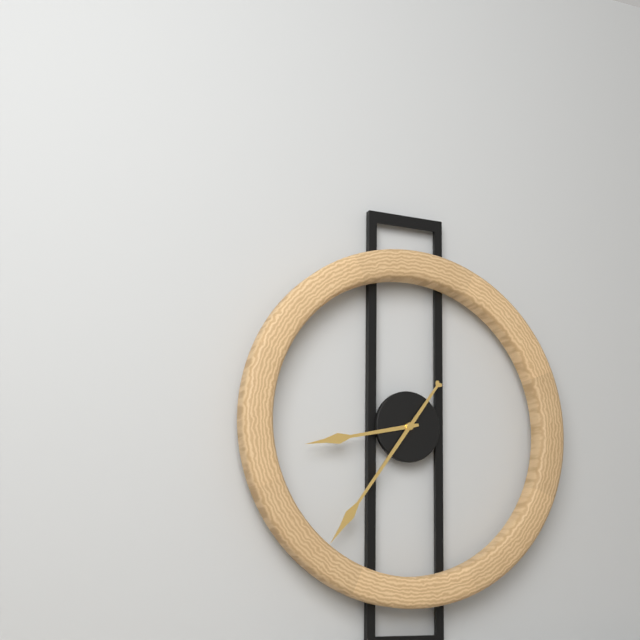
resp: 8h36
